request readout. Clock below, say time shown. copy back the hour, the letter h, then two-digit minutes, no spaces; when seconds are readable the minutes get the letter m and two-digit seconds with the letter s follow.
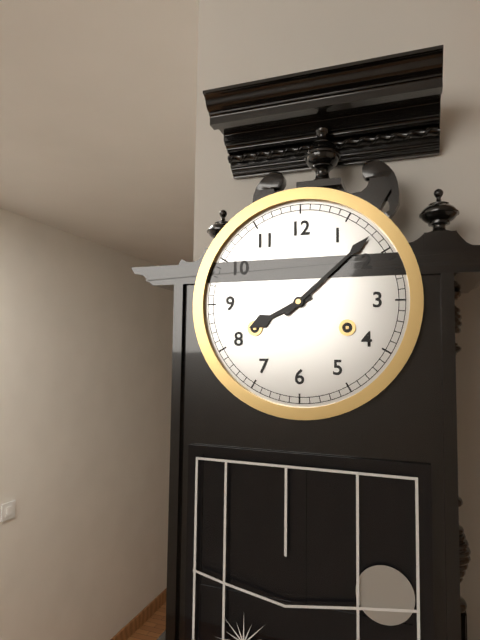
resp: 8h08
